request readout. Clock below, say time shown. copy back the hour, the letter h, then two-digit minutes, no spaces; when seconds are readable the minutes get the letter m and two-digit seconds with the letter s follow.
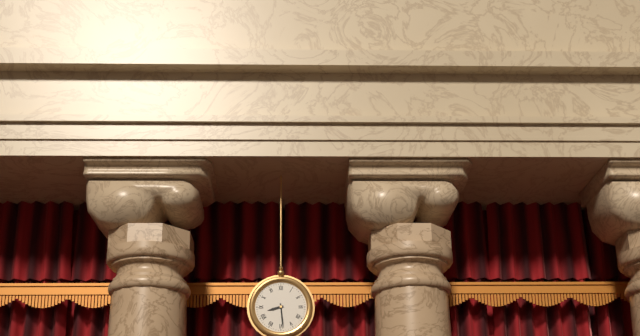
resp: 8h29
